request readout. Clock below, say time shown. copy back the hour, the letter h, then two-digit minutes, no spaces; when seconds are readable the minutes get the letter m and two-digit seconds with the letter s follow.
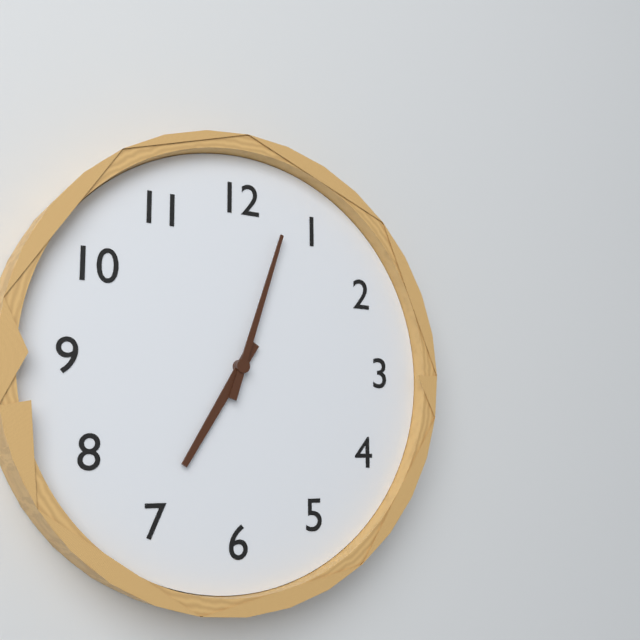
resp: 7h03
